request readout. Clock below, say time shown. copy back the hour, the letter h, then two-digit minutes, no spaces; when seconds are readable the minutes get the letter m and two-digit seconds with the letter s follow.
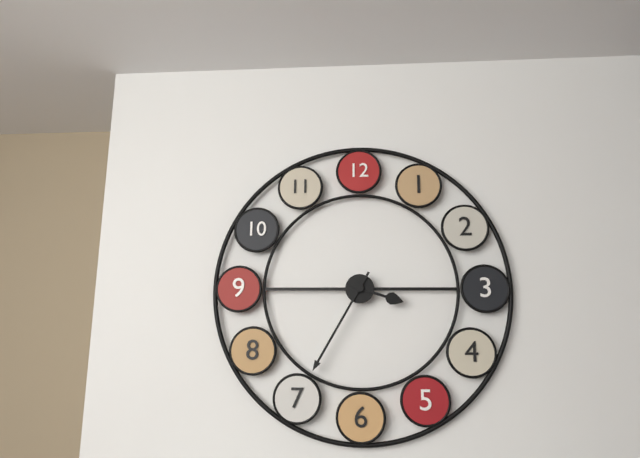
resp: 3h35
